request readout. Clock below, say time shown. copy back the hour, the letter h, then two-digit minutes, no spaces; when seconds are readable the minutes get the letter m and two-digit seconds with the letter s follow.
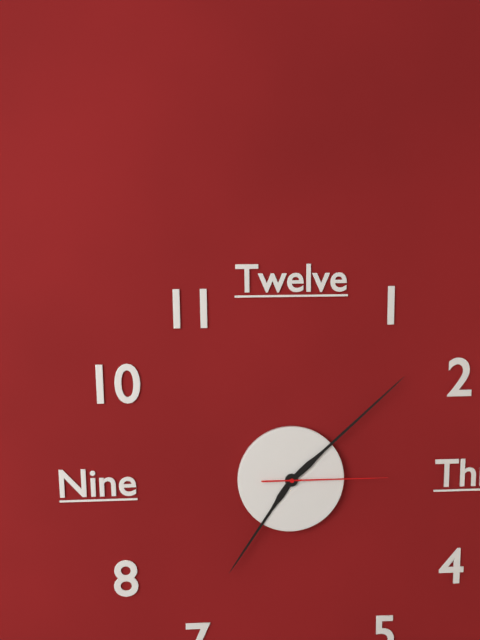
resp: 7h08m15s
